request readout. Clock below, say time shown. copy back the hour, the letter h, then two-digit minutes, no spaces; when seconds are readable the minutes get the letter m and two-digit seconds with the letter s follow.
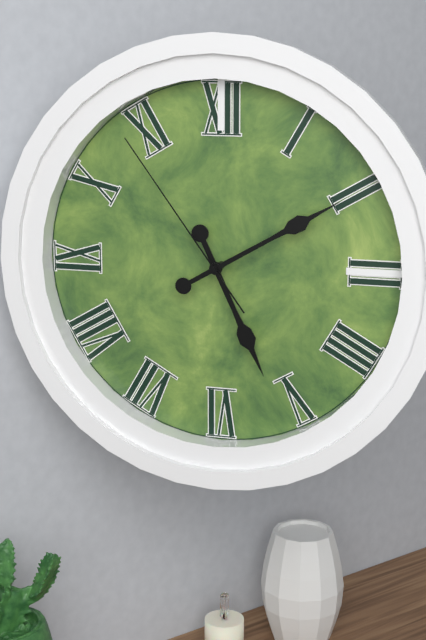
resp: 5h10m54s
